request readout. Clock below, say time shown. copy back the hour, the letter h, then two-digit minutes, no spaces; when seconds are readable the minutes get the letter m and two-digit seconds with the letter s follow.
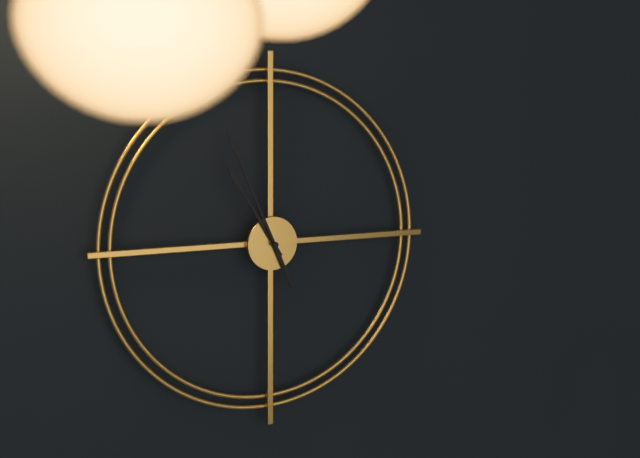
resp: 10h56
